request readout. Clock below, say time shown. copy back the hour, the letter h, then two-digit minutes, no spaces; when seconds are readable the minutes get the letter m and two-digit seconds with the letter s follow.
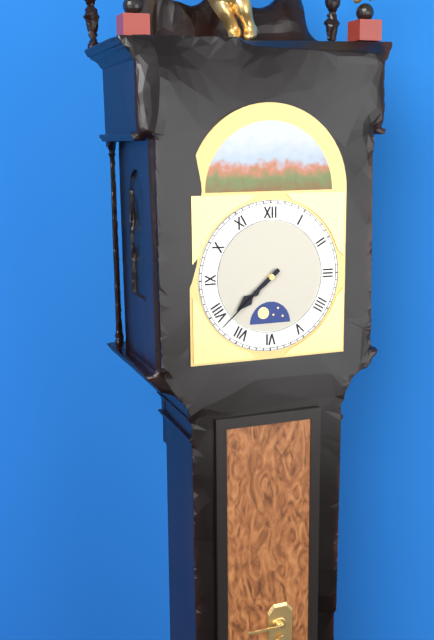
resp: 7h38
